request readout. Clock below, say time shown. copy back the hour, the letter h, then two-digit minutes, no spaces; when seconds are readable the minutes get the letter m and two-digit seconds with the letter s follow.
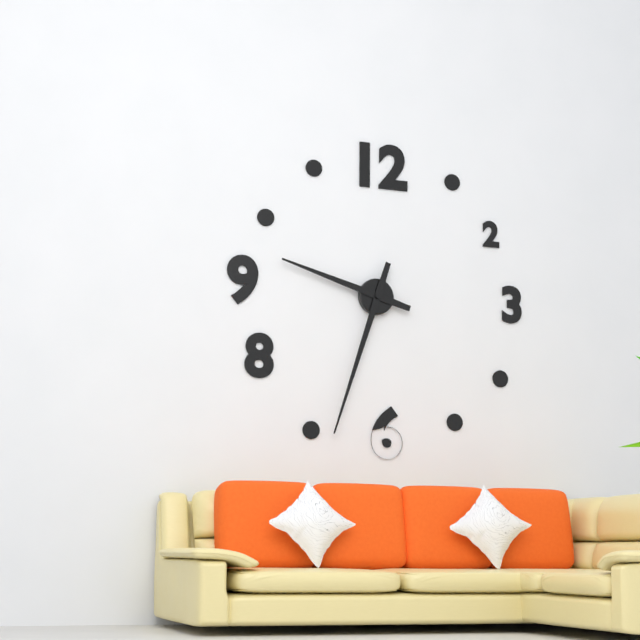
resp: 9h33
